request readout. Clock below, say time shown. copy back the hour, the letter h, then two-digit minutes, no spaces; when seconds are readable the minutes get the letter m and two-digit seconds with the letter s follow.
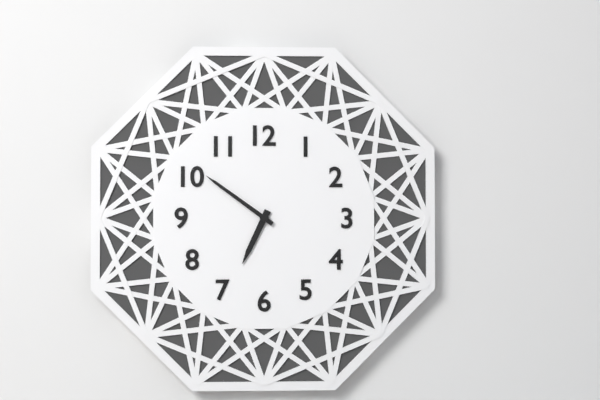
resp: 6h51
